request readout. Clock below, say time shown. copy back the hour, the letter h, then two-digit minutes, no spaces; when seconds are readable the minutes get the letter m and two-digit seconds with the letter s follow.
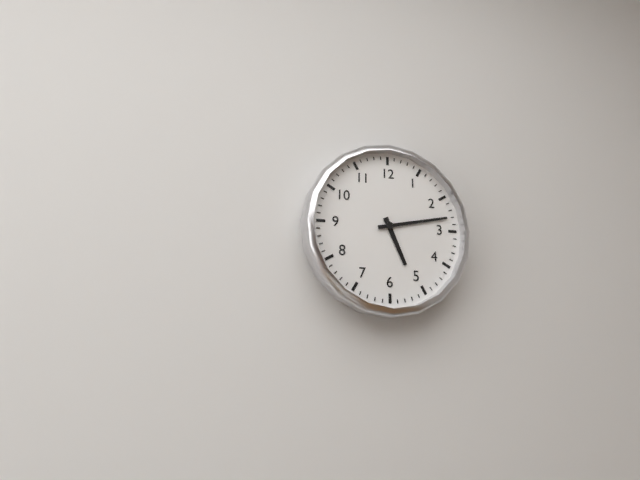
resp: 5h13
